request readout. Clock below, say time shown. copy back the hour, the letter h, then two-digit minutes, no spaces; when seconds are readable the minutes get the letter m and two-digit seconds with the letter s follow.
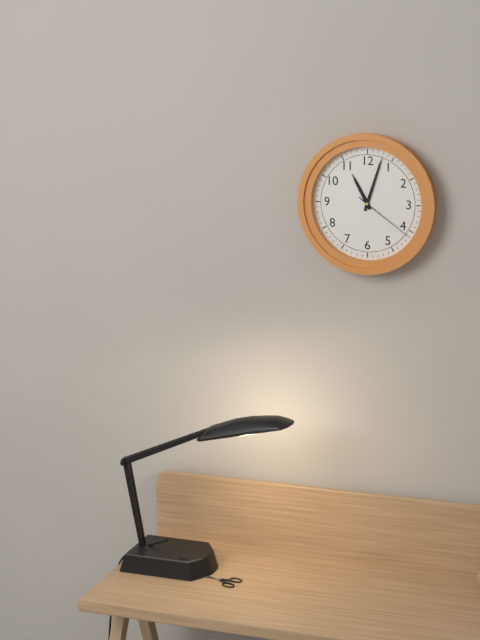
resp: 11h03m21s
